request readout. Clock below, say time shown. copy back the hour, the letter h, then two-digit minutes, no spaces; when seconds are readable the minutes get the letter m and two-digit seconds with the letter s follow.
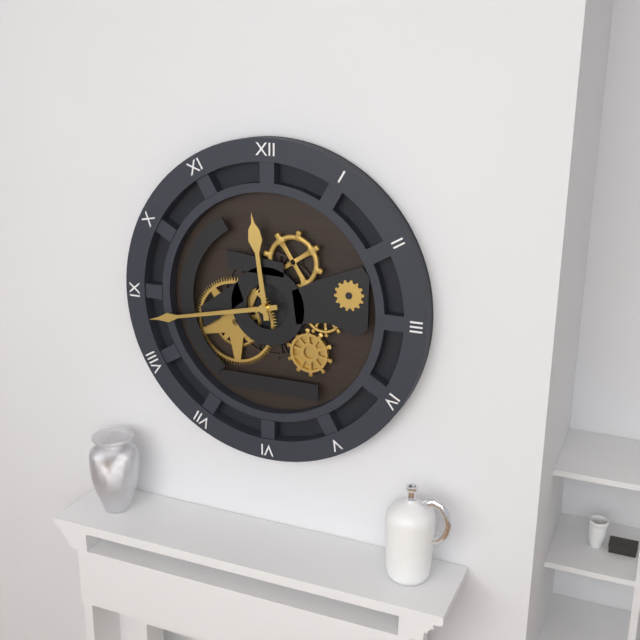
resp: 11h43
